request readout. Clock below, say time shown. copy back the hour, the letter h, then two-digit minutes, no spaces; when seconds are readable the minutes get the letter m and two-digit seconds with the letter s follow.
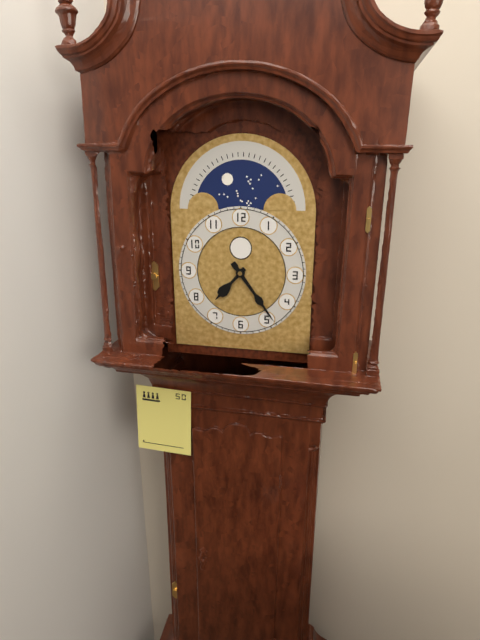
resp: 7h24
